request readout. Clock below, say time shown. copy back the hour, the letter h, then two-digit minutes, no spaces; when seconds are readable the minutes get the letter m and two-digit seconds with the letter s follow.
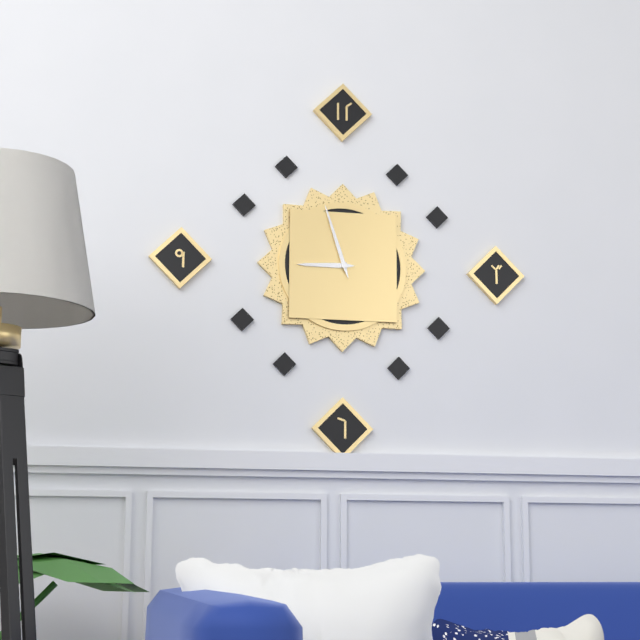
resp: 8h57
